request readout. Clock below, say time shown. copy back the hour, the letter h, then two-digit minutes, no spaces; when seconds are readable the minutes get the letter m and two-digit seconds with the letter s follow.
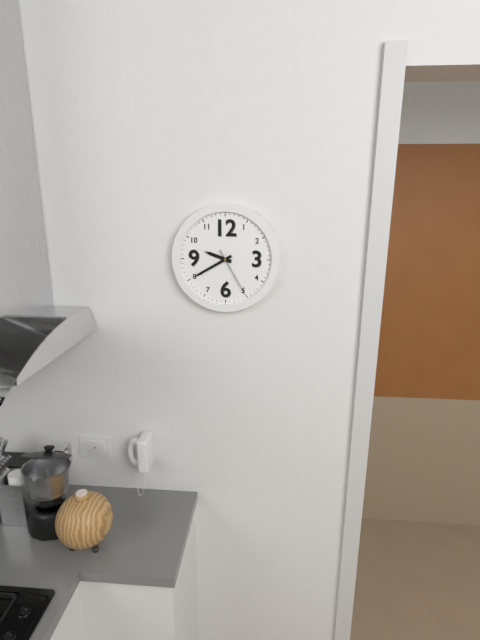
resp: 9h40m25s
